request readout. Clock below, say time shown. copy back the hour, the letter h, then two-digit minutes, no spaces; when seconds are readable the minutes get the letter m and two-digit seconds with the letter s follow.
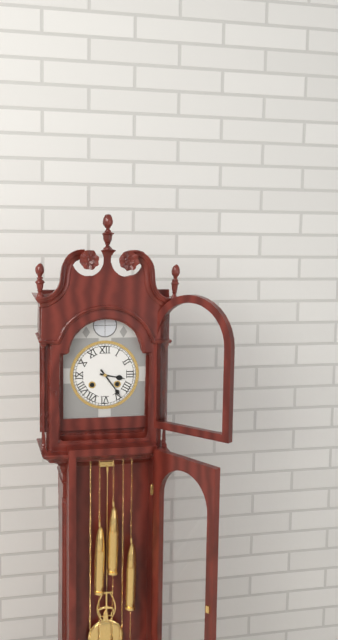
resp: 3h24
